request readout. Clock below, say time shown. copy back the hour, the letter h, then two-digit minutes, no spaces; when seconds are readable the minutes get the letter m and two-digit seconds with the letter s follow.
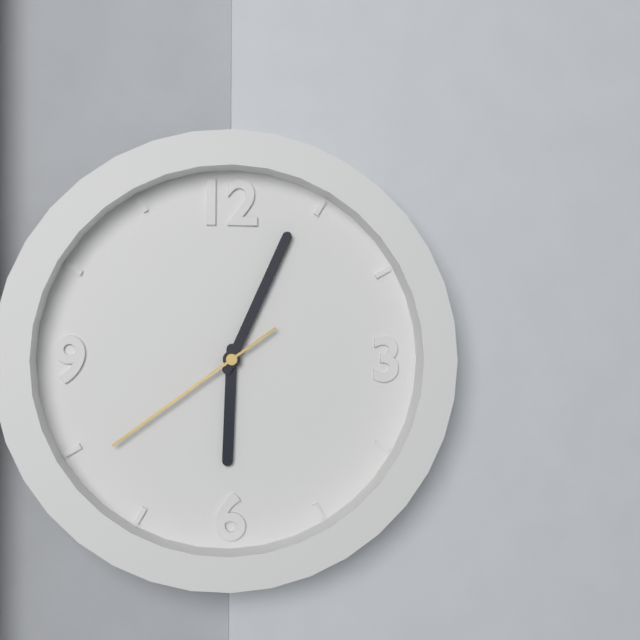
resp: 6h04m39s
